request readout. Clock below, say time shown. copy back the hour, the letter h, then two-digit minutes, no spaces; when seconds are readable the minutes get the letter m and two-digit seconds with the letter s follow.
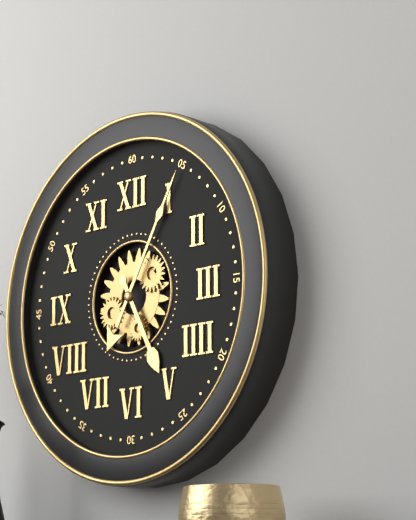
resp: 5h05
